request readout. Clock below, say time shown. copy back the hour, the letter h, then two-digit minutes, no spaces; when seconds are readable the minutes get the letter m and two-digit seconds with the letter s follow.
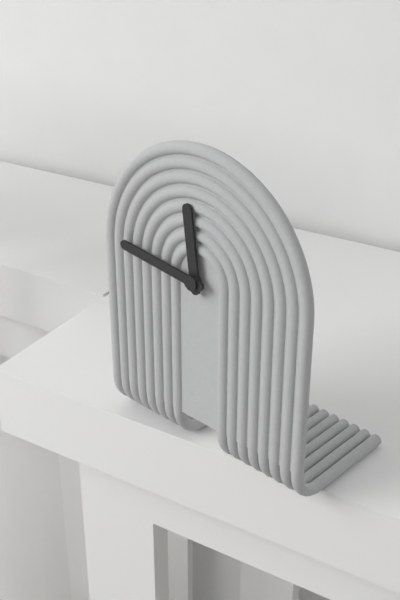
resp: 11h46
